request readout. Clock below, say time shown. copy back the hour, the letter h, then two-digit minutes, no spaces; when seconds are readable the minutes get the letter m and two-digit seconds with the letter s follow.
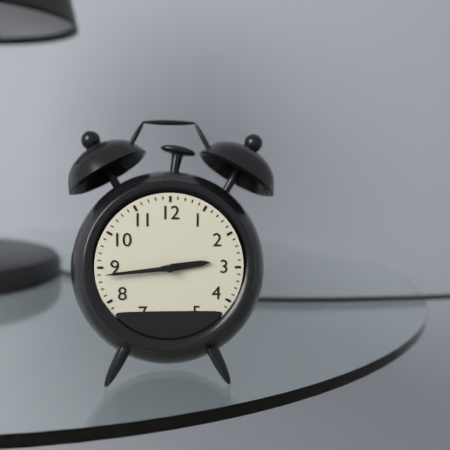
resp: 2h44
